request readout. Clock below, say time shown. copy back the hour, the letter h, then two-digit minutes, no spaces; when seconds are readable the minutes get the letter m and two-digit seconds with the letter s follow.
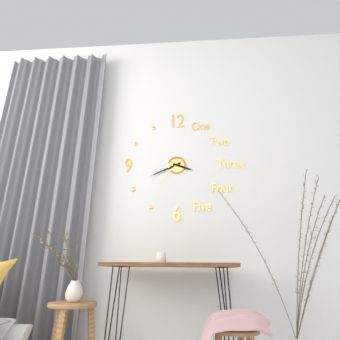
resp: 3h41
